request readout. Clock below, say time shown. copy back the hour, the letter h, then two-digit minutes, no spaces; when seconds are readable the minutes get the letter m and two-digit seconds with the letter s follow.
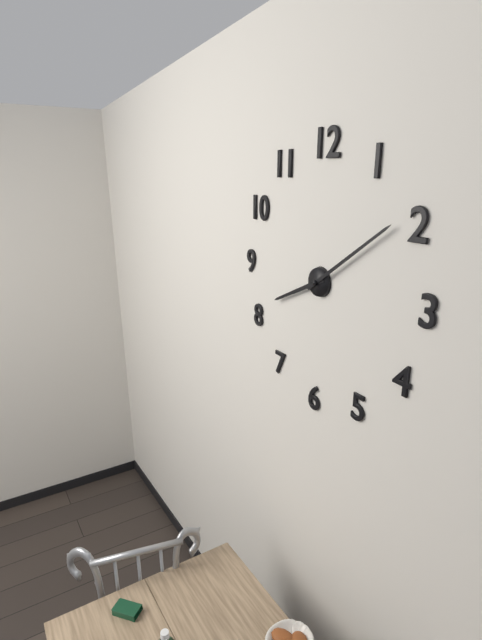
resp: 8h09
